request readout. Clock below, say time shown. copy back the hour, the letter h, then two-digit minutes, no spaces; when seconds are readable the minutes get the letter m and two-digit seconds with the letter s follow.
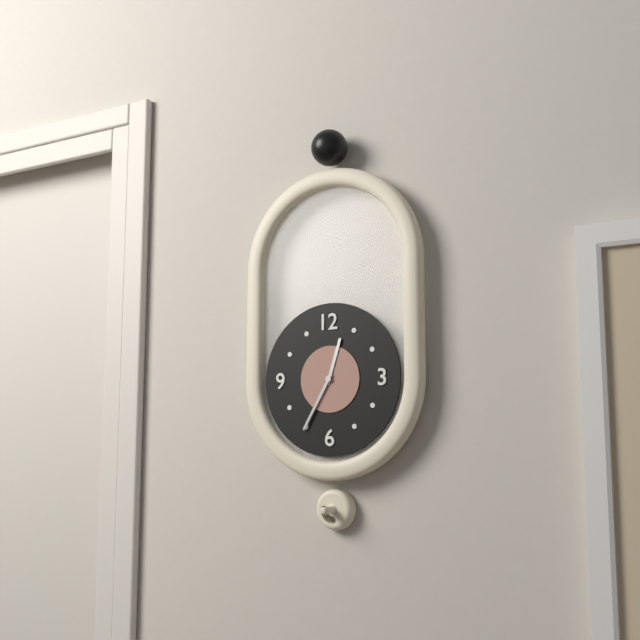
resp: 12h35
